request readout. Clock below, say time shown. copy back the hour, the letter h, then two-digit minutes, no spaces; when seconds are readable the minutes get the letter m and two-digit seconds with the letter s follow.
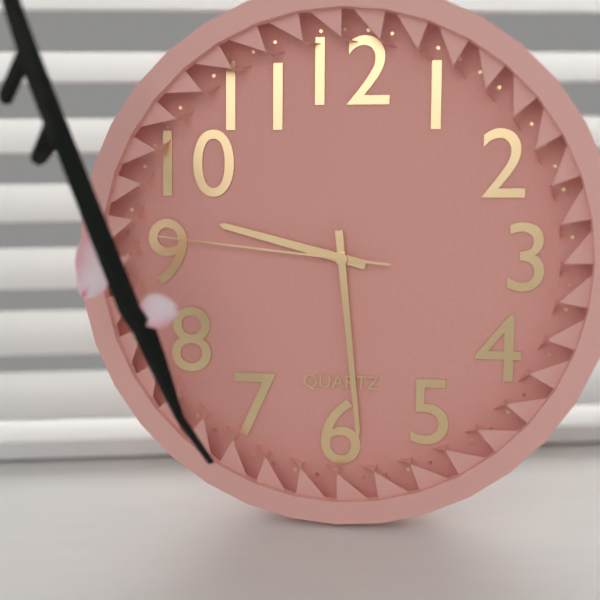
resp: 9h29m46s
